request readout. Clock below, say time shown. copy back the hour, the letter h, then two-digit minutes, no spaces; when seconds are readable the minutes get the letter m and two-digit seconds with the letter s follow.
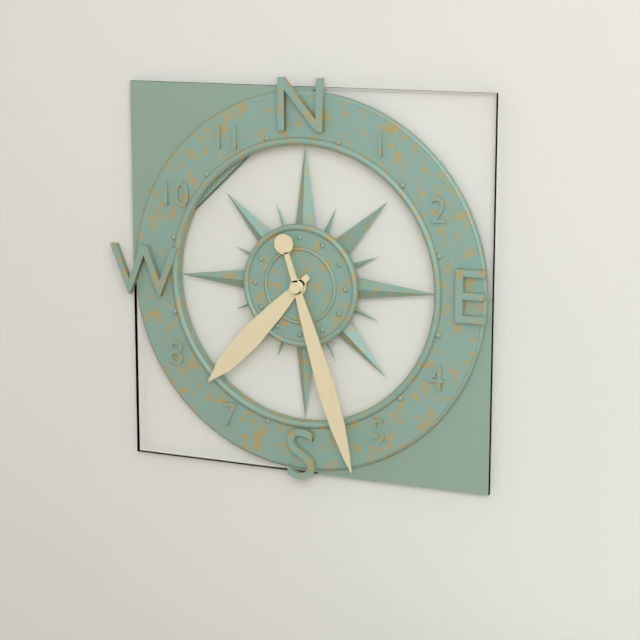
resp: 7h27
